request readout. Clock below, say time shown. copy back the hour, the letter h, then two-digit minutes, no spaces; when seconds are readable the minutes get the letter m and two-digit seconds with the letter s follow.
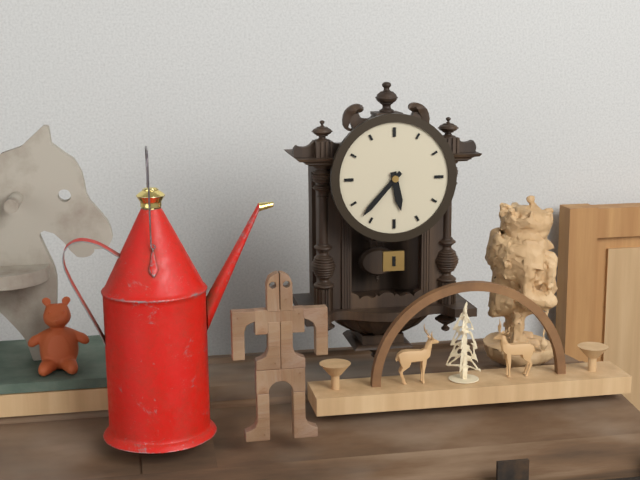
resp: 5h37
